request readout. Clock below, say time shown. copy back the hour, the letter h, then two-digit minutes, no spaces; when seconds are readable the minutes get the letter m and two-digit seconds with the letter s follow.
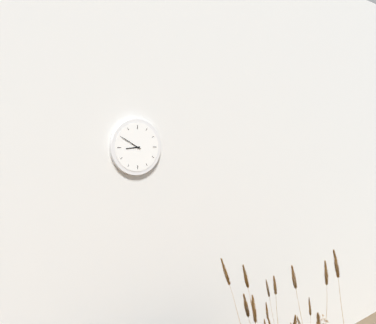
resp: 8h50
